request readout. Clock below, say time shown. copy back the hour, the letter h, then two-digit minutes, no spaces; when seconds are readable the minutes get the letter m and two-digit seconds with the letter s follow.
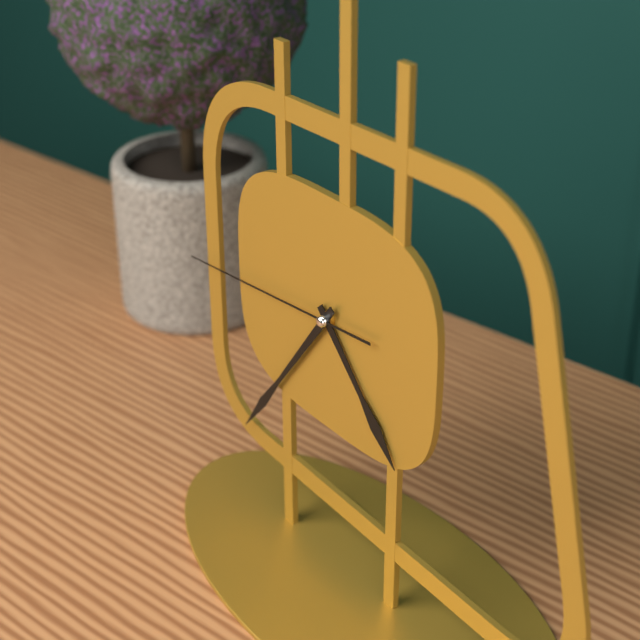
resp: 4h36m44s
